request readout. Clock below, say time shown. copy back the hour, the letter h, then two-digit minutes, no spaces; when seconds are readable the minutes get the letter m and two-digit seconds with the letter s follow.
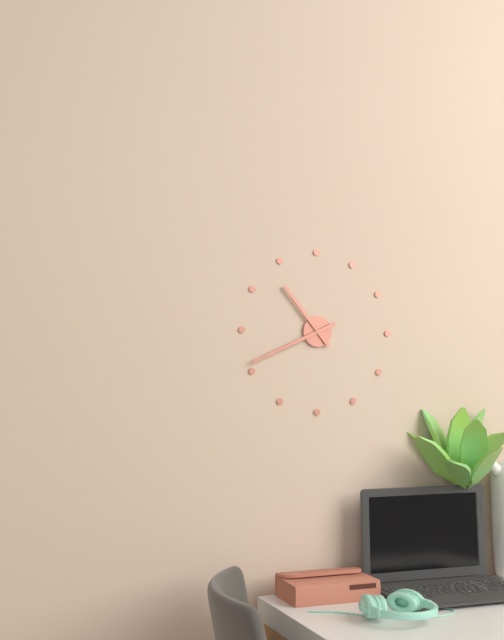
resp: 10h41
